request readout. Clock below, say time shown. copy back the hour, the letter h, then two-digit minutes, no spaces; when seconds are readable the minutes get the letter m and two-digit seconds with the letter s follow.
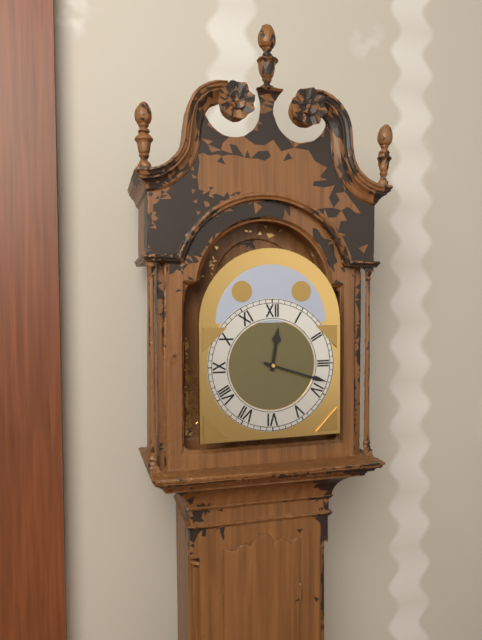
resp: 12h18
